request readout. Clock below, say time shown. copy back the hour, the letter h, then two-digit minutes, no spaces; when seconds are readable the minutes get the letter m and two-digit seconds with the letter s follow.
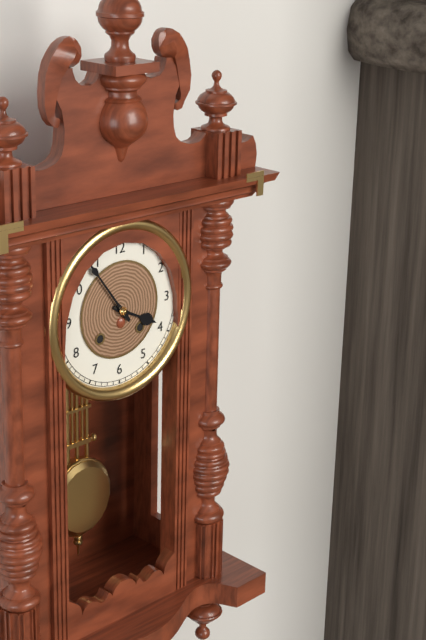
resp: 3h54
